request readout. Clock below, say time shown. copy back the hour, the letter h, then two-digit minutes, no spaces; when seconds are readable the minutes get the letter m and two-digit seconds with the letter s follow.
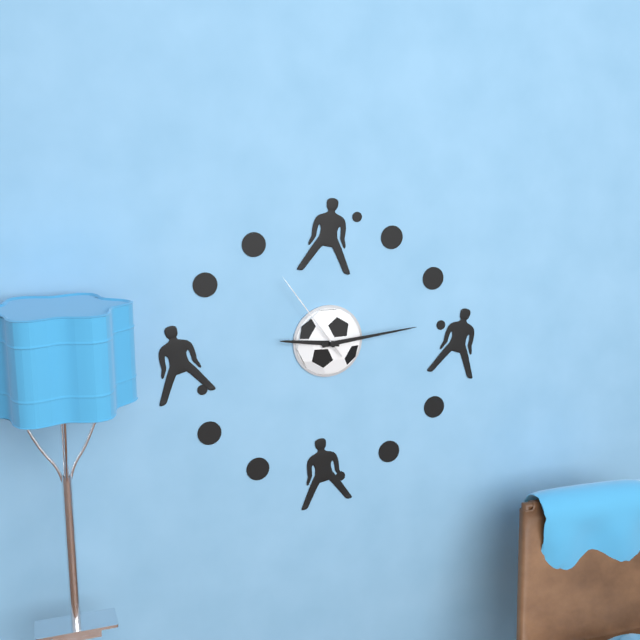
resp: 9h14m54s
